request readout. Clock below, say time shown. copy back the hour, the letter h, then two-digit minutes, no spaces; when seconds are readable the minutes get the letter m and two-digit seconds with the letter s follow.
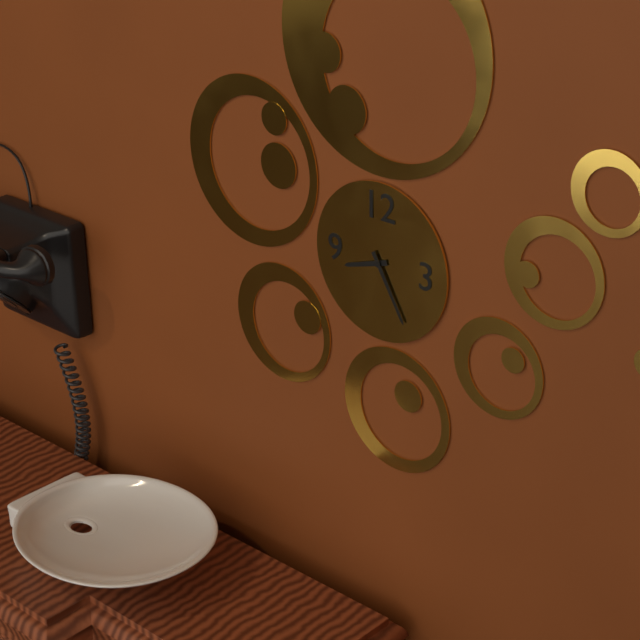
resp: 8h25
